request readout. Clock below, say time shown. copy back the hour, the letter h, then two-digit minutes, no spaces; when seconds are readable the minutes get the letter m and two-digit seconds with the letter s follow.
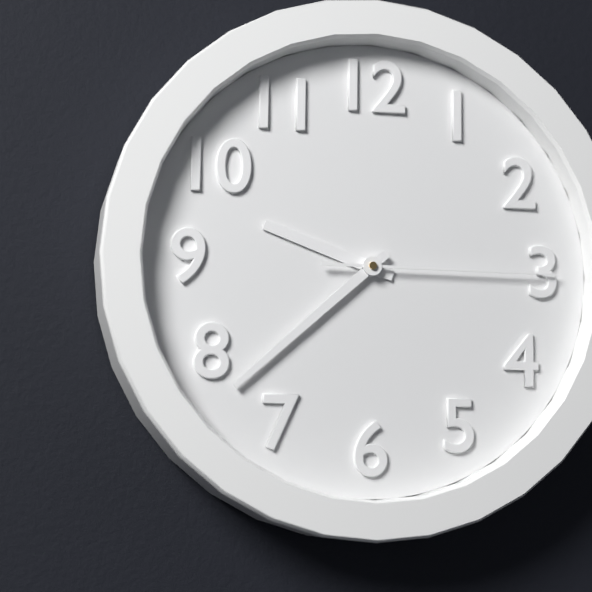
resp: 9h38m15s
